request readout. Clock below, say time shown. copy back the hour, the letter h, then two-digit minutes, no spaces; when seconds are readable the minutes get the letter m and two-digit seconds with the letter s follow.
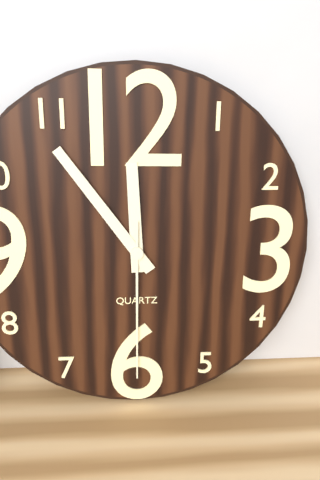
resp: 11h54m30s
